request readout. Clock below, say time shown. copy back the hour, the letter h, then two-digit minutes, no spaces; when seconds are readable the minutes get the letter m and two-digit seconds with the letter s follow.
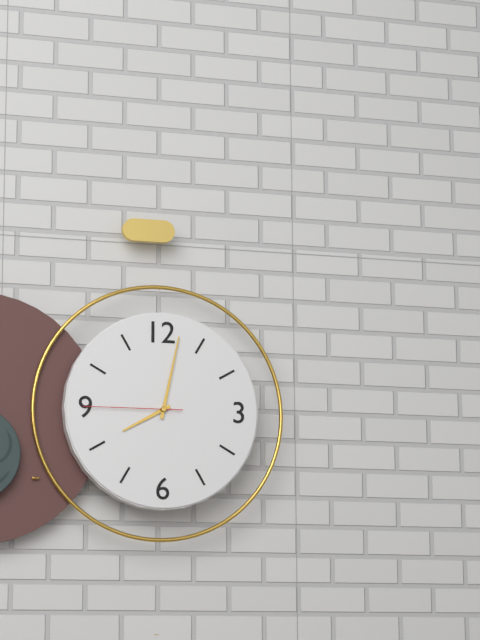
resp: 8h02m45s
